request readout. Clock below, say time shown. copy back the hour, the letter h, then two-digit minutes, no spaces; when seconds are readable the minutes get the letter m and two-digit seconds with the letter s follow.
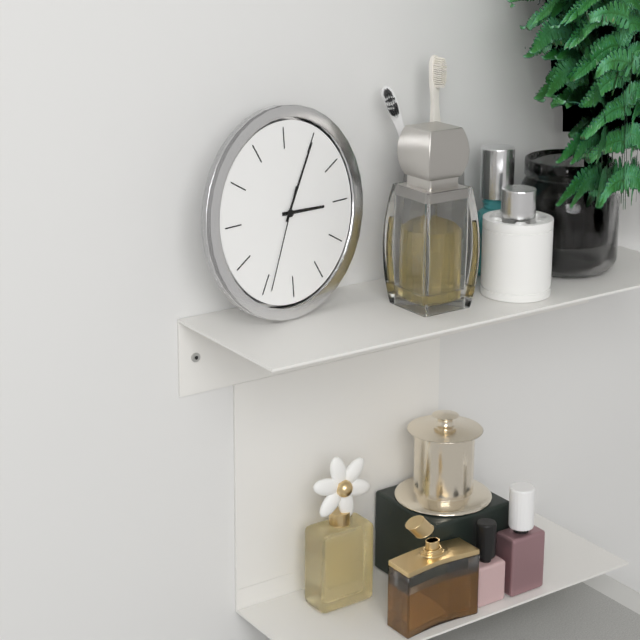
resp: 3h05m34s
